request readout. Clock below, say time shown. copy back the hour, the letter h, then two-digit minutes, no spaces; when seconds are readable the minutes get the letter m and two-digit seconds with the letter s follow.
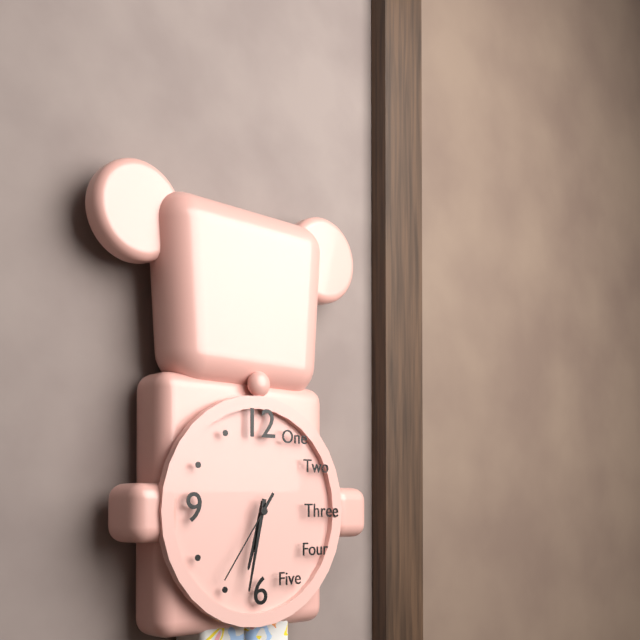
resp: 6h32m36s
